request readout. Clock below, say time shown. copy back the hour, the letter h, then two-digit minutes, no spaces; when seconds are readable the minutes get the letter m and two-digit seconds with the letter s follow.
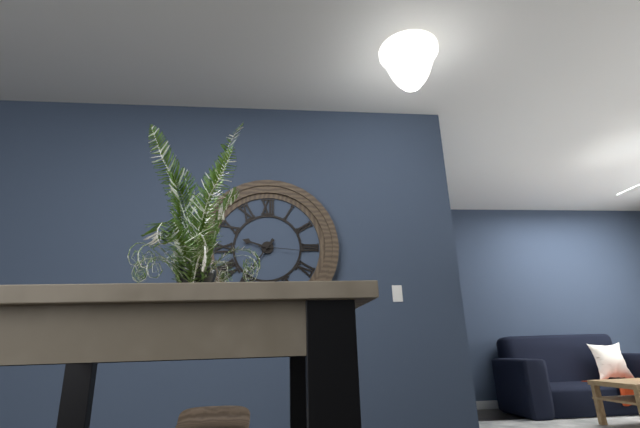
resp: 9h36m16s
